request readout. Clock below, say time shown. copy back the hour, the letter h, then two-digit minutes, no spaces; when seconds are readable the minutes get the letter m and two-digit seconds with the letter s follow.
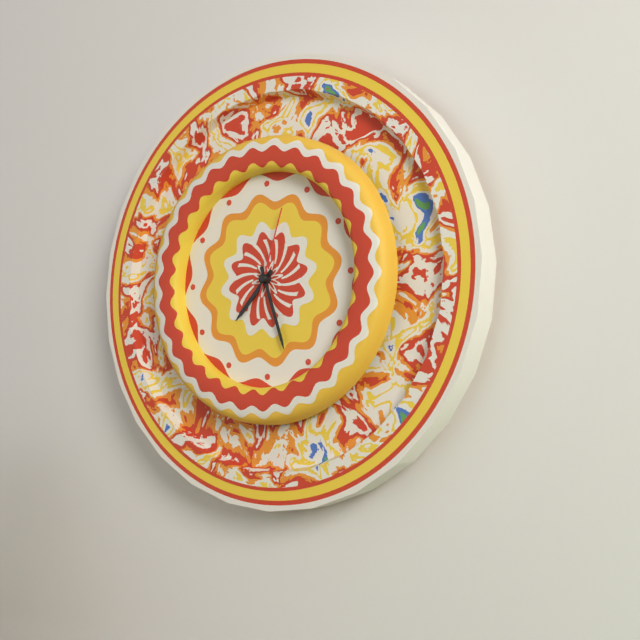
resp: 7h27m03s
